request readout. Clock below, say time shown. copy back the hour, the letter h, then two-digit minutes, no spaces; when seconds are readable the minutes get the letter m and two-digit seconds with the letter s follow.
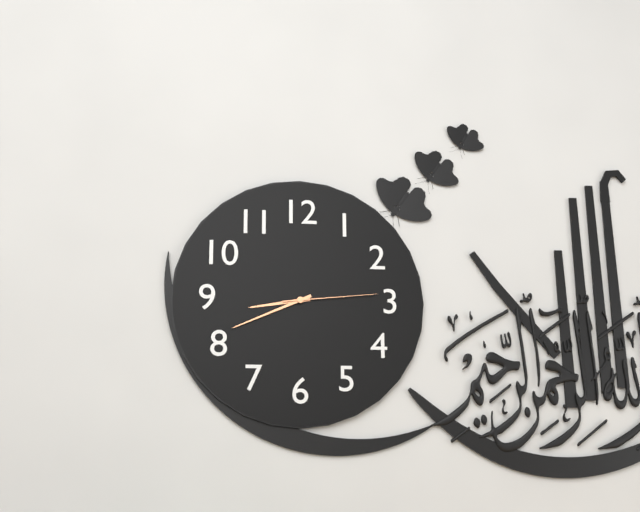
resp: 8h41m14s
